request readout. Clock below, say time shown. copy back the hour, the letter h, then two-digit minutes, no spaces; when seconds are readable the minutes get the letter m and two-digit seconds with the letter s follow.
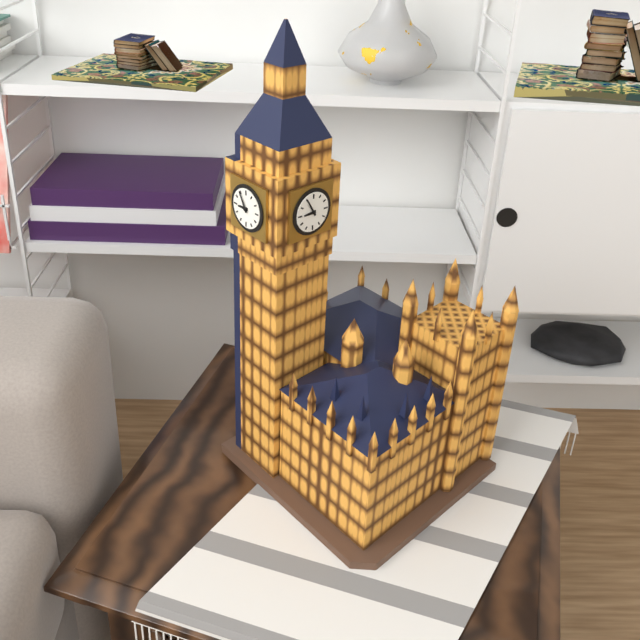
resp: 8h55
